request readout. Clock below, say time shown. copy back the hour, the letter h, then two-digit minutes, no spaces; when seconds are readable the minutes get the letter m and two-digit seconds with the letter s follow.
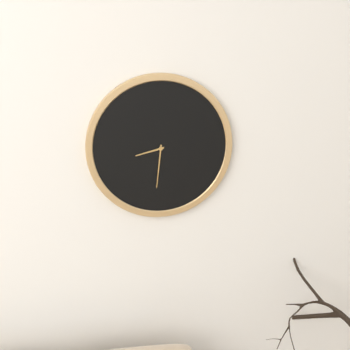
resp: 8h31
